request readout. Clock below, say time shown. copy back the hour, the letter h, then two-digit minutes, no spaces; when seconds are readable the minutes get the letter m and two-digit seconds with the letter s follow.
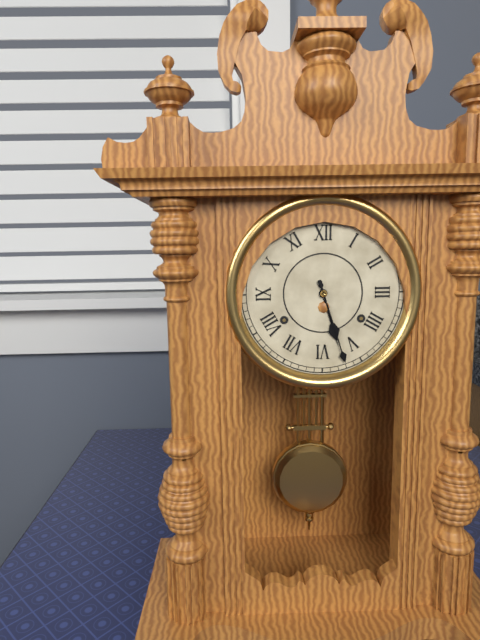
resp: 5h27
